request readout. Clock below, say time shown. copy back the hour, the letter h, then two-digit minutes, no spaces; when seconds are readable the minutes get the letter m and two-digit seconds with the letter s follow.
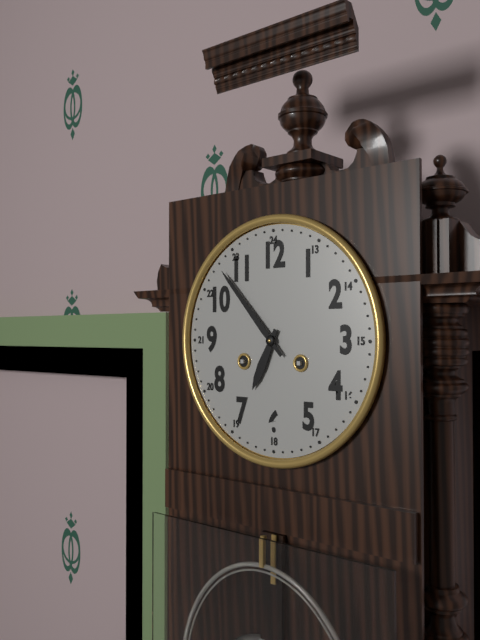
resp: 6h53
